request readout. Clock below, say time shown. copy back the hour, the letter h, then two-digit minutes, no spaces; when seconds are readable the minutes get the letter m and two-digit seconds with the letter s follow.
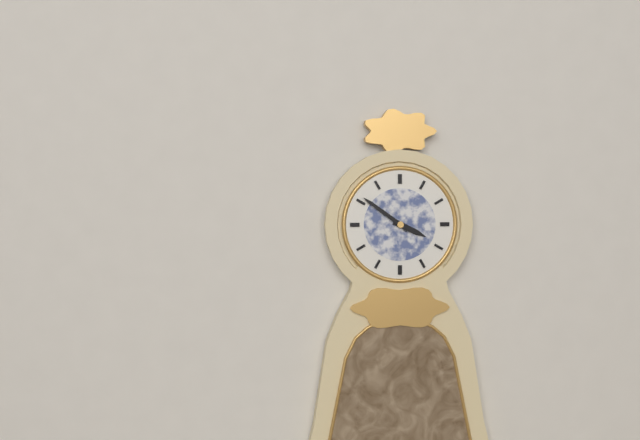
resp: 3h51
